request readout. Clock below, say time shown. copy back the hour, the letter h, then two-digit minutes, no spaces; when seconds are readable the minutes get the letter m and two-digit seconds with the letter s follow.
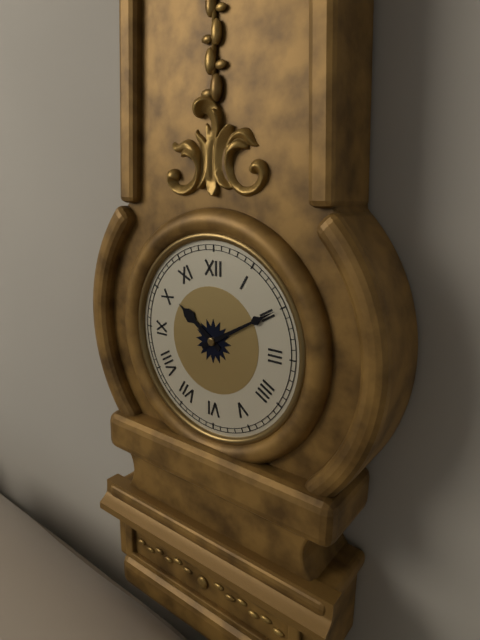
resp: 10h10
